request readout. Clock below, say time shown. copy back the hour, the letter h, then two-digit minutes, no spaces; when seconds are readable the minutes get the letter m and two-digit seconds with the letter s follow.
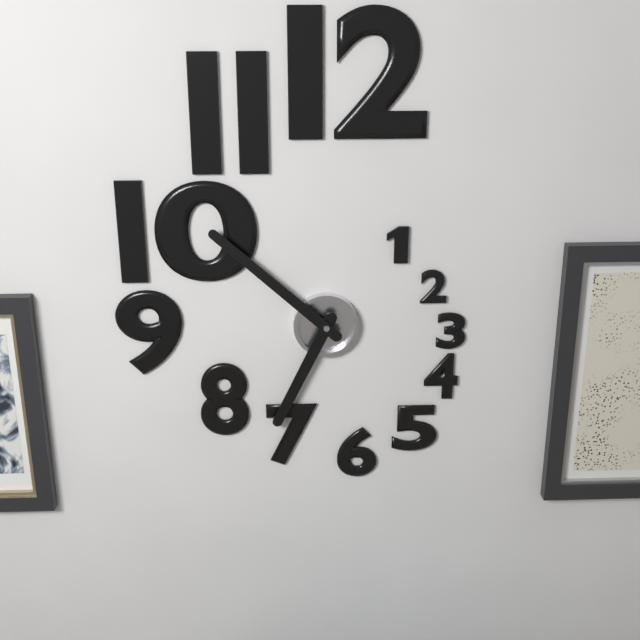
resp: 6h52
